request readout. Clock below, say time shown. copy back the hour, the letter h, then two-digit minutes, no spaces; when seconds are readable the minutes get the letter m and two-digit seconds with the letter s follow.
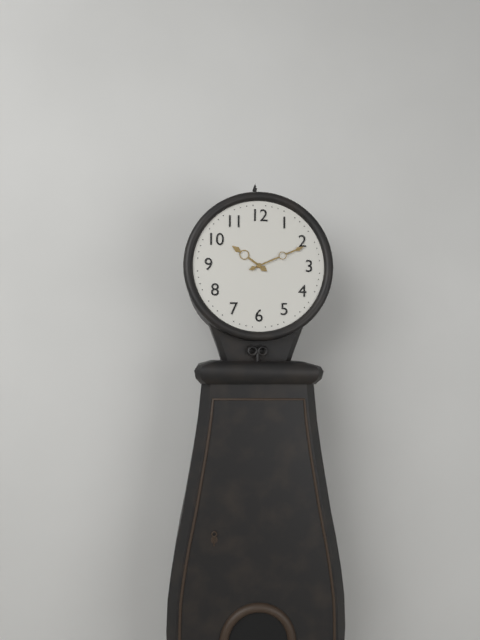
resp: 10h11
